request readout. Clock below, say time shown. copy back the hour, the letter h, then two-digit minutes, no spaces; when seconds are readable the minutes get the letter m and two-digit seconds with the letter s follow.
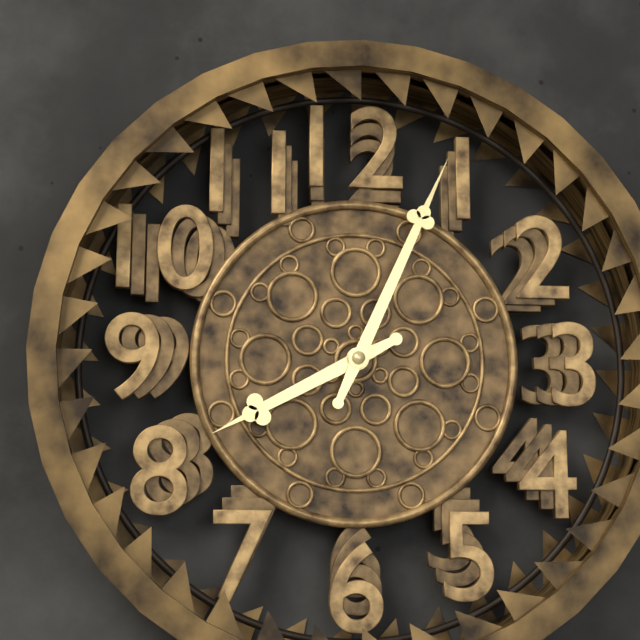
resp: 8h04
